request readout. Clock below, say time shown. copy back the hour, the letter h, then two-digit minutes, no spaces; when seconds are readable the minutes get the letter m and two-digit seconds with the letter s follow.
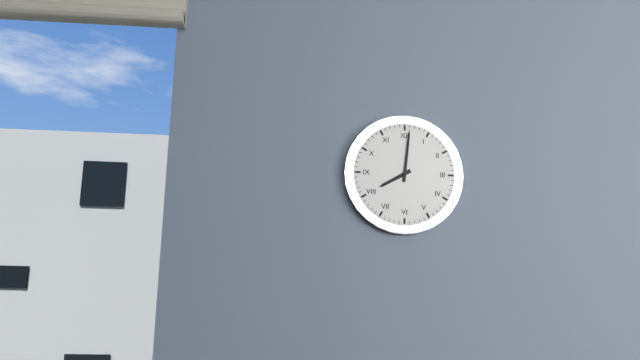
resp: 8h01
